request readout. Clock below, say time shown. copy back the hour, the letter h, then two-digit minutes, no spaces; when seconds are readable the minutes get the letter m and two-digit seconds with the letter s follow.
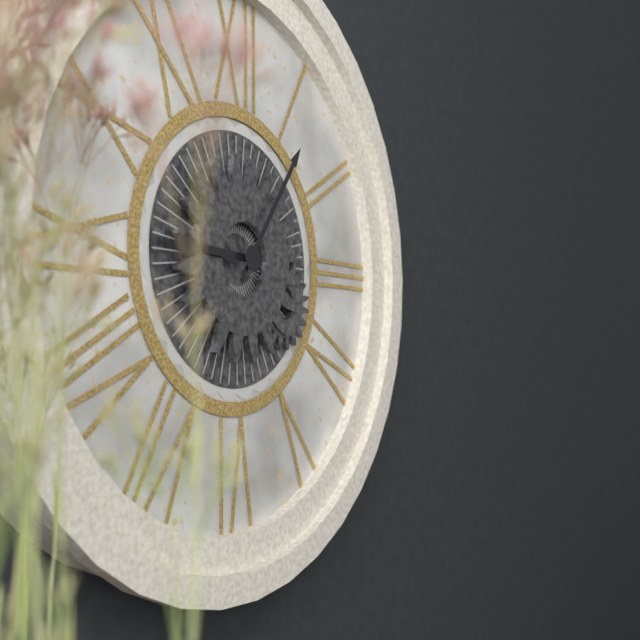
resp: 9h06
